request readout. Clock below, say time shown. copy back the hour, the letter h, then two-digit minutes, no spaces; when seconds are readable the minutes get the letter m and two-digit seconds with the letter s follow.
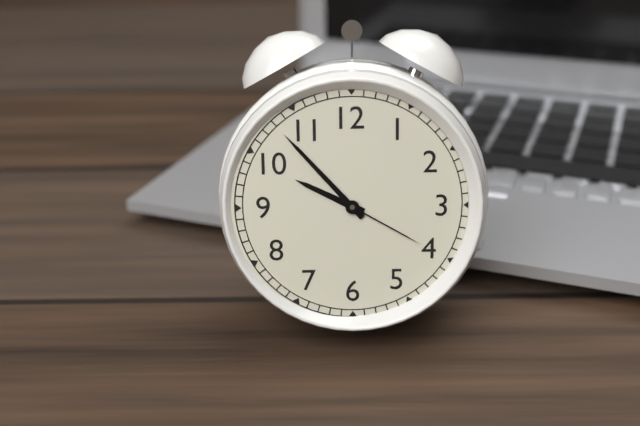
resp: 9h53m20s
